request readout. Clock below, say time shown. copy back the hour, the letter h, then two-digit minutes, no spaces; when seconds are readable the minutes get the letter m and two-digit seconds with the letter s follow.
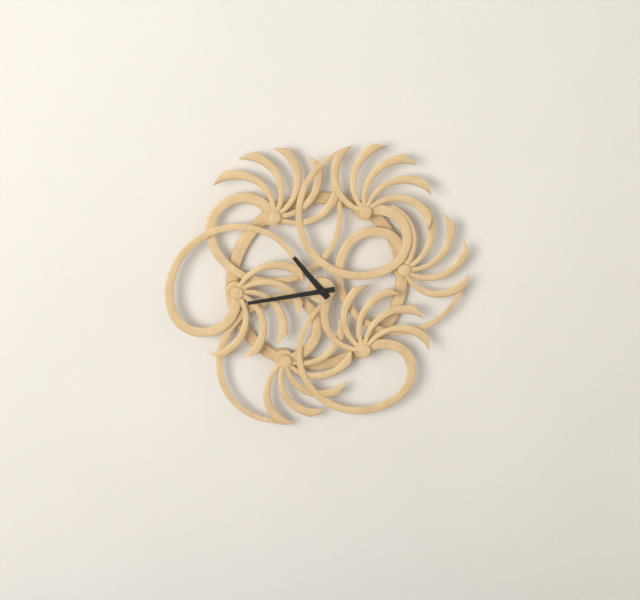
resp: 10h44
